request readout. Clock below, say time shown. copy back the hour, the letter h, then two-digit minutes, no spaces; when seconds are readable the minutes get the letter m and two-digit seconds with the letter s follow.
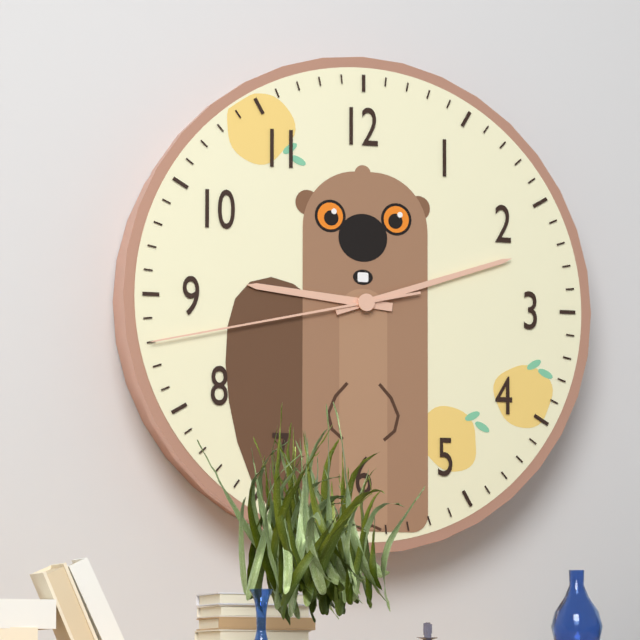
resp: 9h12m43s
